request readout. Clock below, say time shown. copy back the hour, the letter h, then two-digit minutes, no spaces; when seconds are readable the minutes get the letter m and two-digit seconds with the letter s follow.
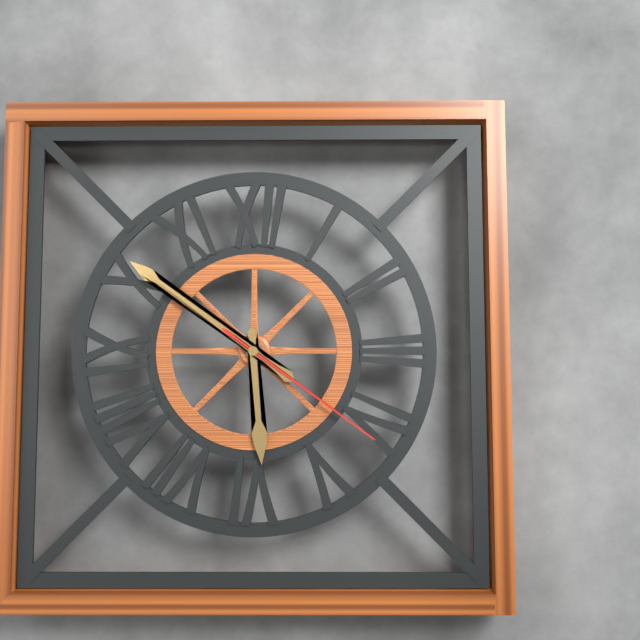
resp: 5h51m21s
